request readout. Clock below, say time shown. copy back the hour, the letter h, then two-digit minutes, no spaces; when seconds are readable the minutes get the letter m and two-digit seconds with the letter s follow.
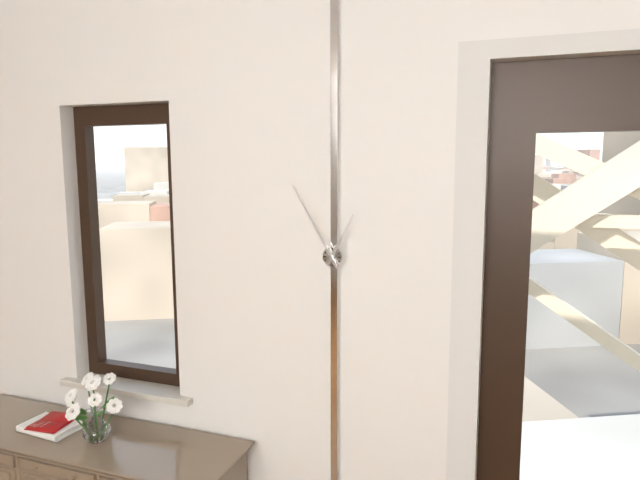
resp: 12h55
